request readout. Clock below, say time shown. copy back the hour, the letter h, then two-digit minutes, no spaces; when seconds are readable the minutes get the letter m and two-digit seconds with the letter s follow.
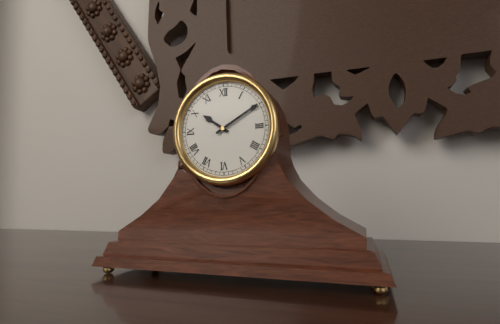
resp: 10h10
